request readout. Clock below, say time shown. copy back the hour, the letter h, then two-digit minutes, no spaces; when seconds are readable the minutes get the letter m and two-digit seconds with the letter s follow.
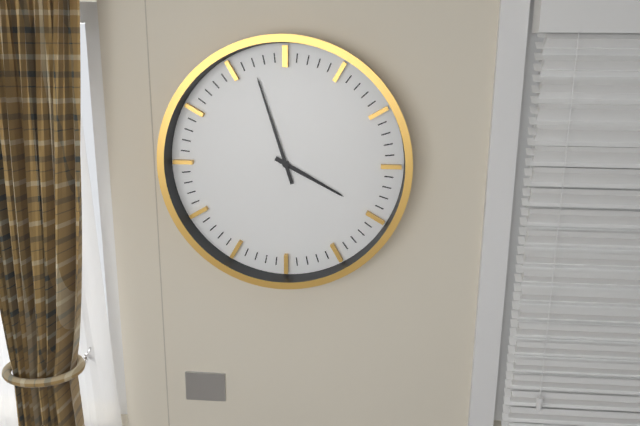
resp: 3h57
